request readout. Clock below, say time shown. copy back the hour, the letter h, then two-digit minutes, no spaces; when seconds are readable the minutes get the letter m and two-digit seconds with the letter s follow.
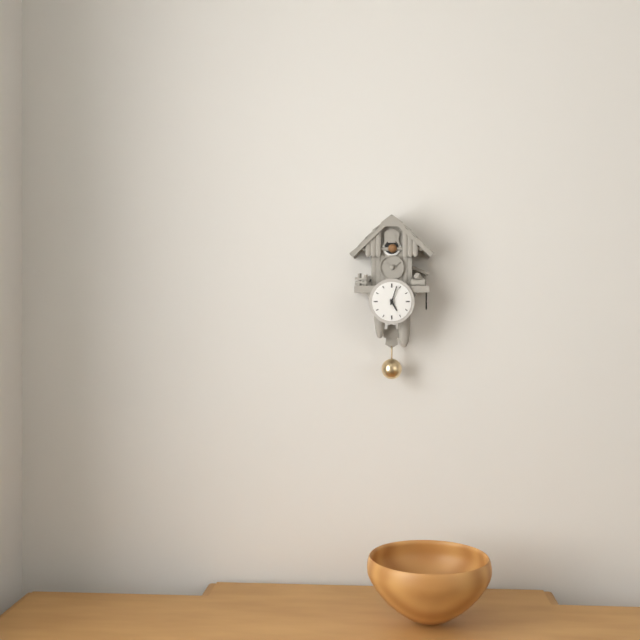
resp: 5h03
